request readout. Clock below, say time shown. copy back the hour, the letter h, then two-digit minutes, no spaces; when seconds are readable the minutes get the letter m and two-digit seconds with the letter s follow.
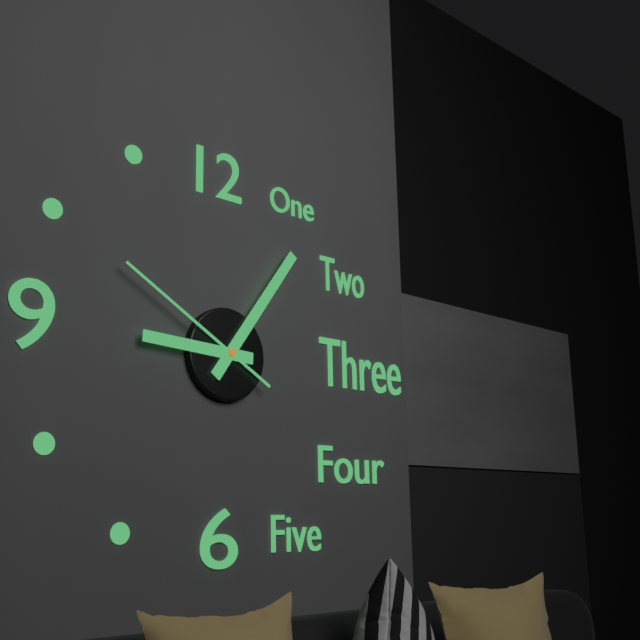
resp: 9h06m50s
